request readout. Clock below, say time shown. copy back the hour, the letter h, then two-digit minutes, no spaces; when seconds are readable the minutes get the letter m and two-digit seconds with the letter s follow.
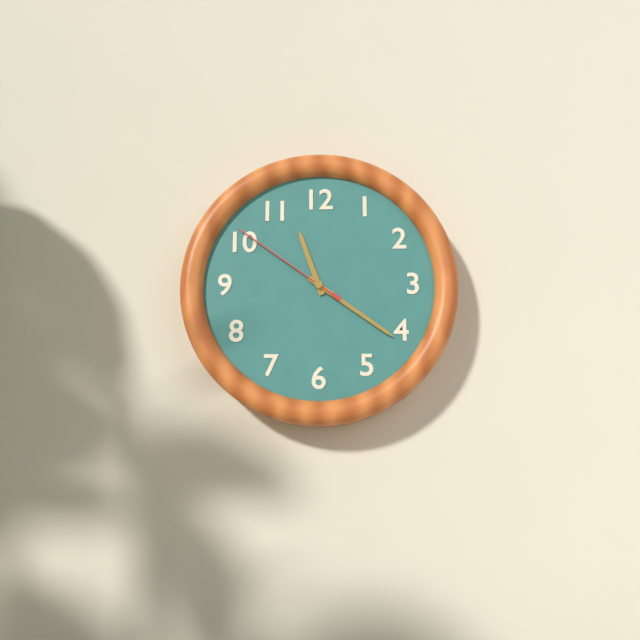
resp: 11h21m51s
